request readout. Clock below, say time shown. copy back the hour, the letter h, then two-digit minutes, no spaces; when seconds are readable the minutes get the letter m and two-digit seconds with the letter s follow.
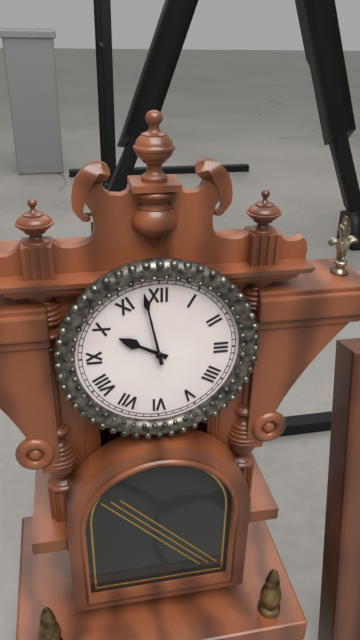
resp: 9h58
